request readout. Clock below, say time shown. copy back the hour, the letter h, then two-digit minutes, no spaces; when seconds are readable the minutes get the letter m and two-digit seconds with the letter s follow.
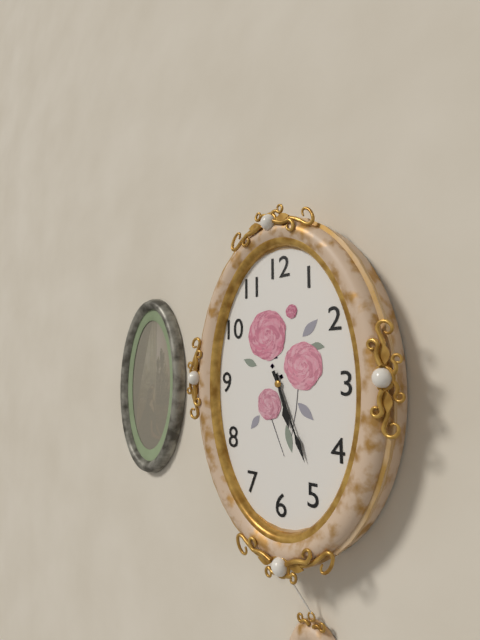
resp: 5h26
